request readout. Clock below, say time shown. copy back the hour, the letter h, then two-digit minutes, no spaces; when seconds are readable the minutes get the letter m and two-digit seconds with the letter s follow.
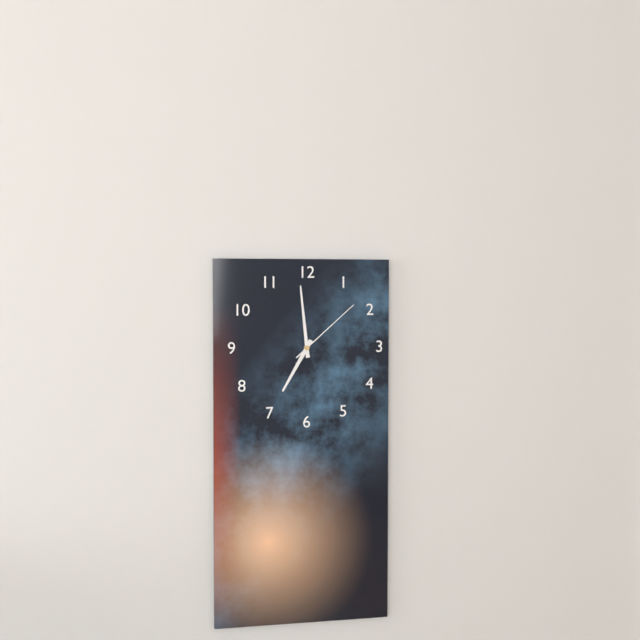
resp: 6h59m08s
